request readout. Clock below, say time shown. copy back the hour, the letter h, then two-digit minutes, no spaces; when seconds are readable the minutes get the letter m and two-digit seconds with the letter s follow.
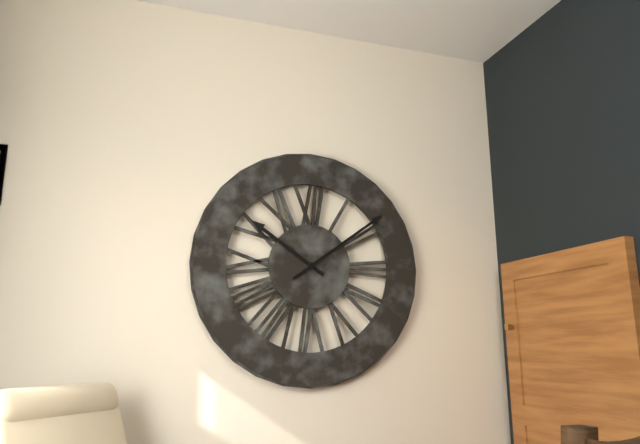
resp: 10h09
